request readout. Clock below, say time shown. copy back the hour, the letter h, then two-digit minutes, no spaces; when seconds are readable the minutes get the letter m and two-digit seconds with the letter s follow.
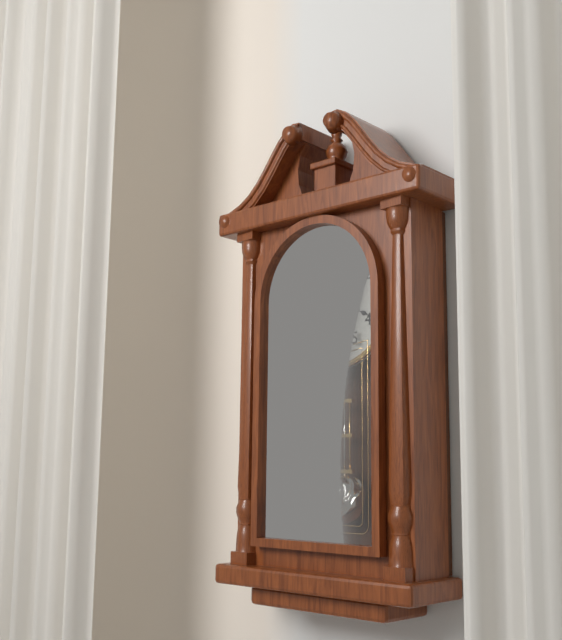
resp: 1h19
